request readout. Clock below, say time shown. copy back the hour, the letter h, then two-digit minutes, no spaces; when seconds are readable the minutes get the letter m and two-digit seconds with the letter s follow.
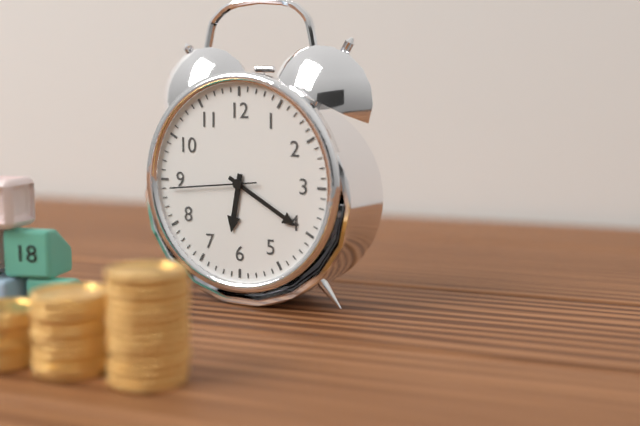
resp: 6h20m44s
